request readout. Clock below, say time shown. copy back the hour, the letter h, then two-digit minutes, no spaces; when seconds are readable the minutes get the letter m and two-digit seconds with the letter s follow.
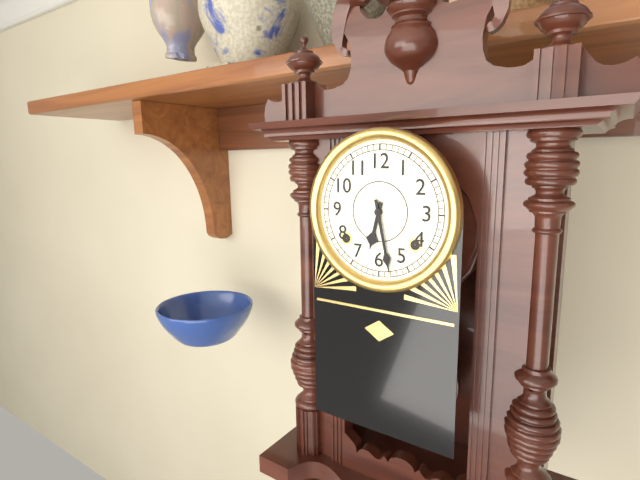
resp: 6h28
